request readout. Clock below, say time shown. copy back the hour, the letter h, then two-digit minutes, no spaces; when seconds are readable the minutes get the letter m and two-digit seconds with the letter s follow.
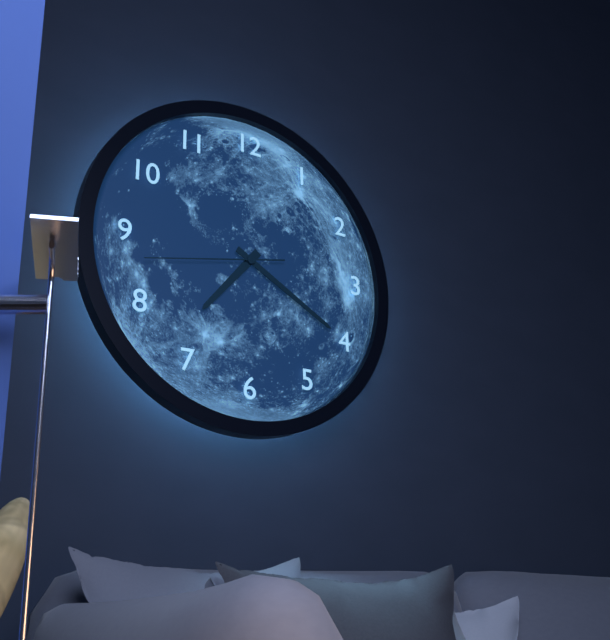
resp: 7h20m43s
